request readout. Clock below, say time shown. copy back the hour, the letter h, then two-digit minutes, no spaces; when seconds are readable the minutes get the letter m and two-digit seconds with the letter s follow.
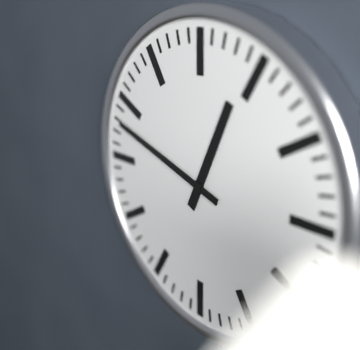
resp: 12h48
